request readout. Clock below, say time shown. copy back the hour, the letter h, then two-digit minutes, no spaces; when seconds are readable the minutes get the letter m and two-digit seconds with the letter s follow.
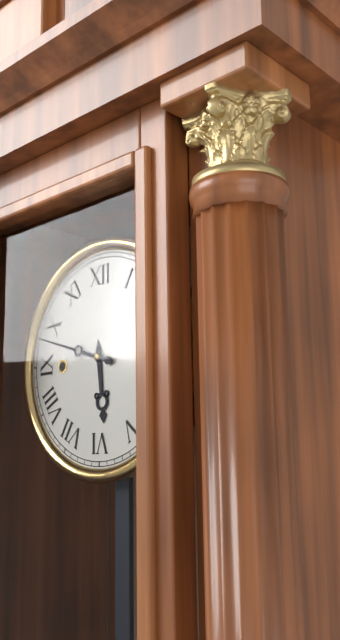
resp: 5h48
